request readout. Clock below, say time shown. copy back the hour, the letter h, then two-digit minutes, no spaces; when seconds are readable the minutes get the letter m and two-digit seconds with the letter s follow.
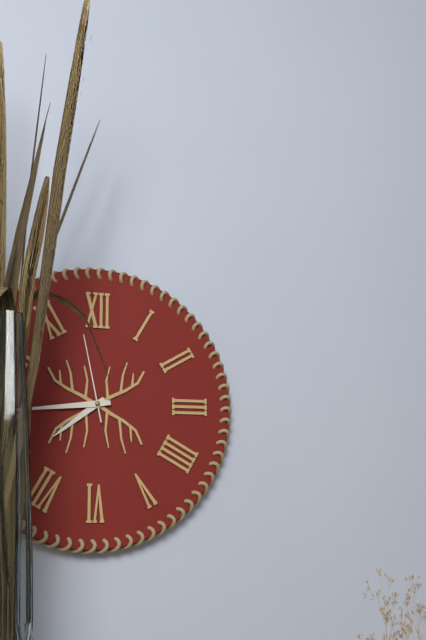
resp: 7h44m58s
